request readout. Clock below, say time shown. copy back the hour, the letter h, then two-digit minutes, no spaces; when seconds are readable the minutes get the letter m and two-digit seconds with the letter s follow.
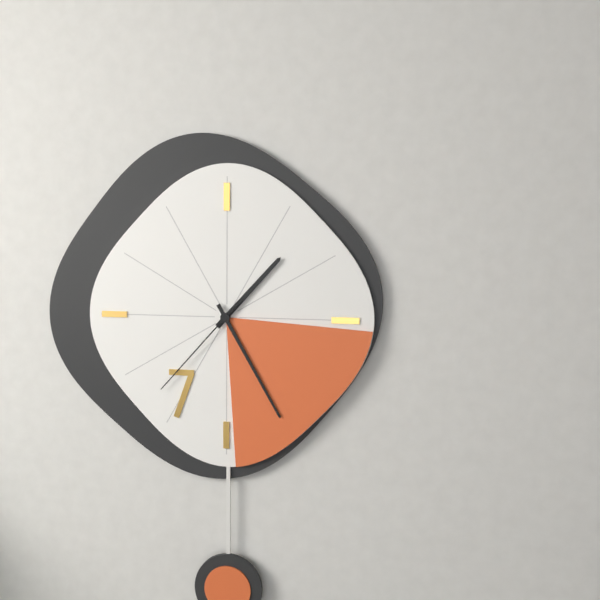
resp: 1h25m37s
